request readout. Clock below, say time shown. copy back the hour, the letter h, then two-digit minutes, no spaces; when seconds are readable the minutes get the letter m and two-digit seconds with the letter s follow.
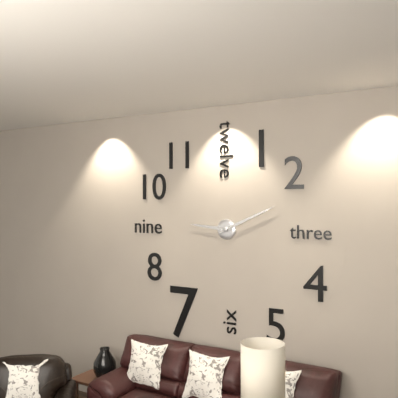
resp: 9h11
